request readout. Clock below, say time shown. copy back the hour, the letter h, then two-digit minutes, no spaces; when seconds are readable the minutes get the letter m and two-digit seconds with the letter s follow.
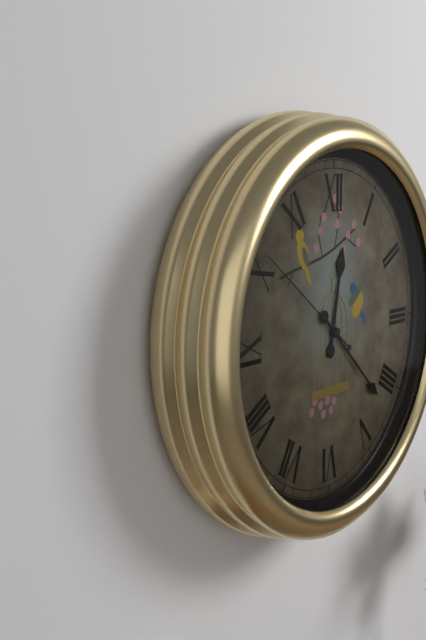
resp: 12h22m51s
